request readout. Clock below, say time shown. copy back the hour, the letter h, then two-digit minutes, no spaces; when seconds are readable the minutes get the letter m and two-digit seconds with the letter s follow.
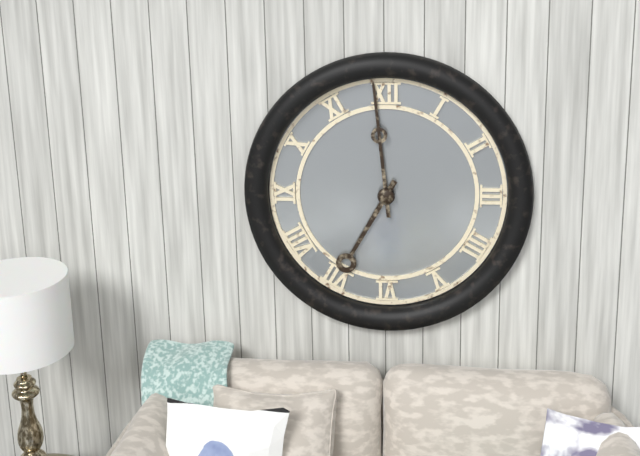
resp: 6h59
